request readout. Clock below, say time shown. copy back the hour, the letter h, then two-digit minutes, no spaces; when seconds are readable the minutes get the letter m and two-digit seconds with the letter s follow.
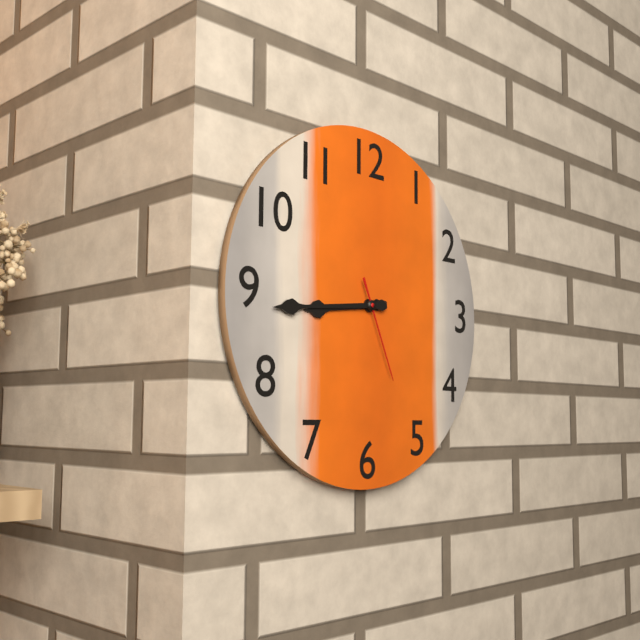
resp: 8h44m26s
